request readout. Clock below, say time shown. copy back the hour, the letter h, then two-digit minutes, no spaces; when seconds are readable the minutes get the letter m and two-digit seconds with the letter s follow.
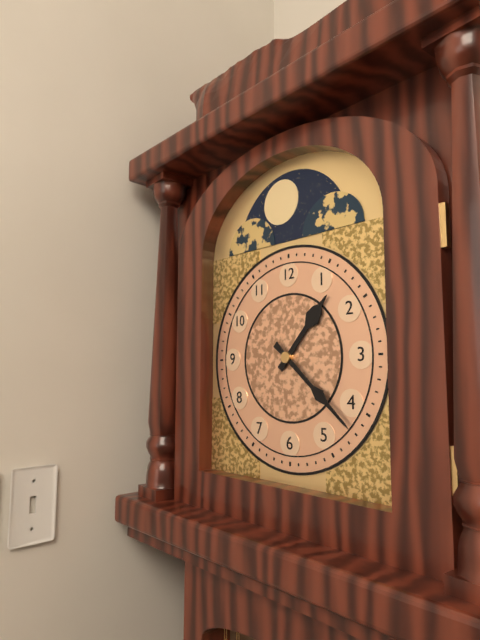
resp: 1h22
